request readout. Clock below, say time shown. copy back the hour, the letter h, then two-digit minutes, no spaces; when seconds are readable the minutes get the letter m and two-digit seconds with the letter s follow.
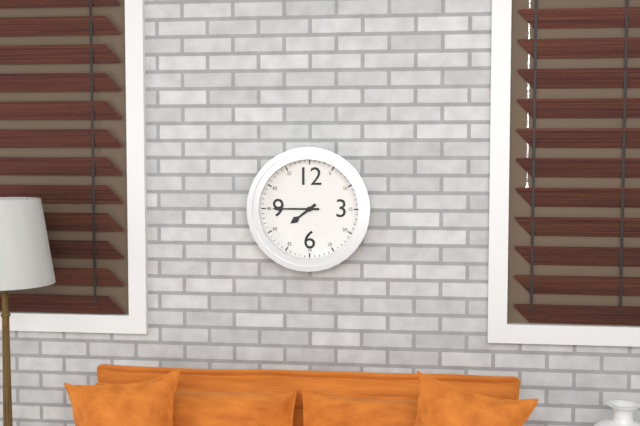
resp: 7h45
